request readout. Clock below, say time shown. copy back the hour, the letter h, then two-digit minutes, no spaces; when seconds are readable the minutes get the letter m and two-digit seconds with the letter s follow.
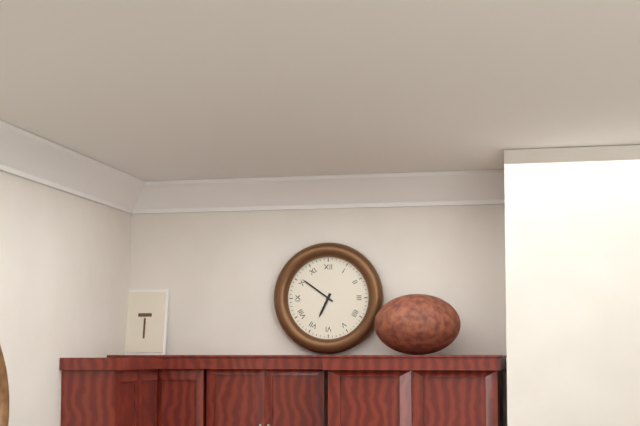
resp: 6h51
